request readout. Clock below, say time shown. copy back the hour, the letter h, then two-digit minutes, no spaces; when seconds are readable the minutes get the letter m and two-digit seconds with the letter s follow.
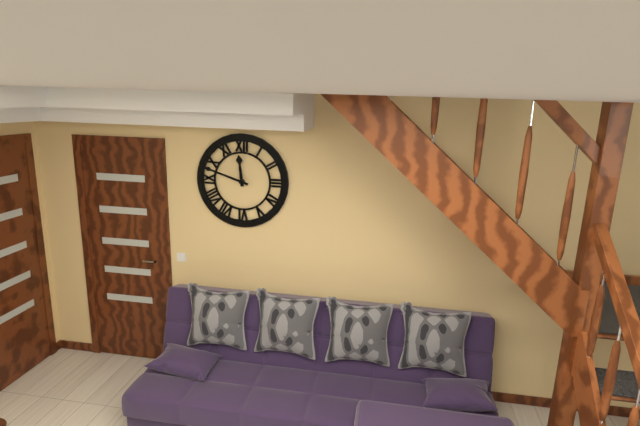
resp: 11h48
